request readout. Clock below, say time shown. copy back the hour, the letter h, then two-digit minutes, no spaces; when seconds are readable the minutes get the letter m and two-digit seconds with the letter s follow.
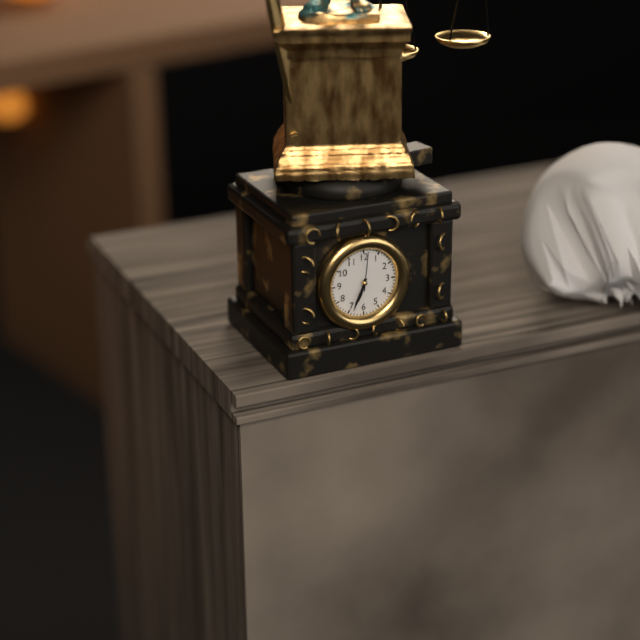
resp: 6h34
